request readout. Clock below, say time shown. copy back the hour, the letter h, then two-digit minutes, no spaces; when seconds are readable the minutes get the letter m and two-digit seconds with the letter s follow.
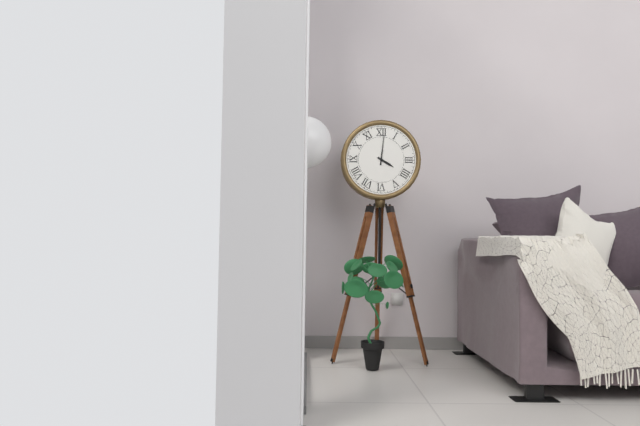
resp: 4h01
